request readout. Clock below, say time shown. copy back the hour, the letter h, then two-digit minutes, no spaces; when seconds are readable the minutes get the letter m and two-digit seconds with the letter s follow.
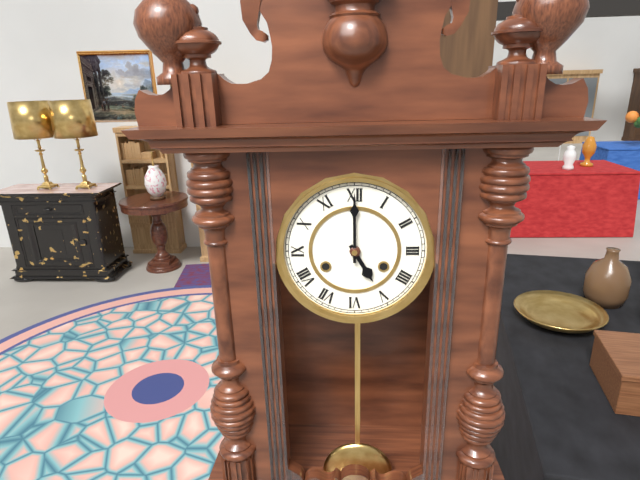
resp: 5h00
